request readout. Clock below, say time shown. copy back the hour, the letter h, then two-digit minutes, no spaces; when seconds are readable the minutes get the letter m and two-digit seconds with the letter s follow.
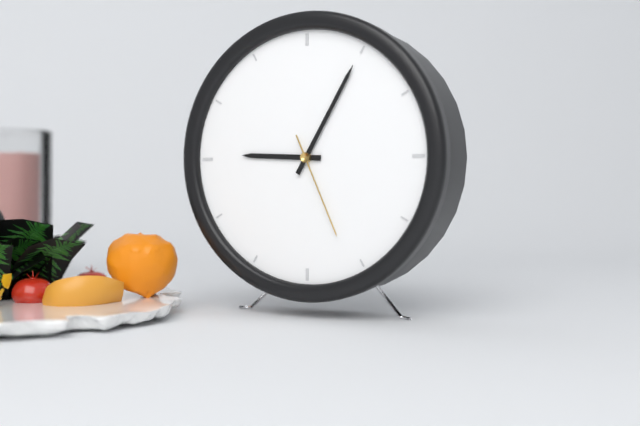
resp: 9h05m26s
